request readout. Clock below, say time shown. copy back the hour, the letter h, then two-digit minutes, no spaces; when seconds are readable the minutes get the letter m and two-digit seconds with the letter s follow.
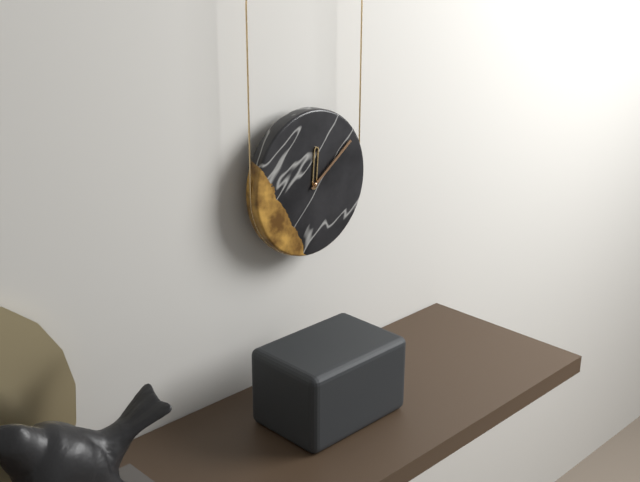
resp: 12h09
